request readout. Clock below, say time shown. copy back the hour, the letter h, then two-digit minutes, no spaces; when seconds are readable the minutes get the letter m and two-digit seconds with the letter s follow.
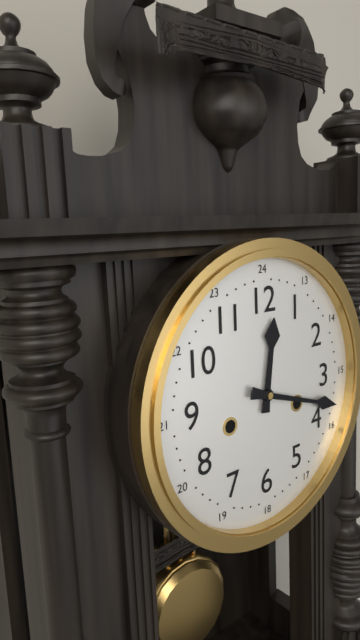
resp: 12h18
